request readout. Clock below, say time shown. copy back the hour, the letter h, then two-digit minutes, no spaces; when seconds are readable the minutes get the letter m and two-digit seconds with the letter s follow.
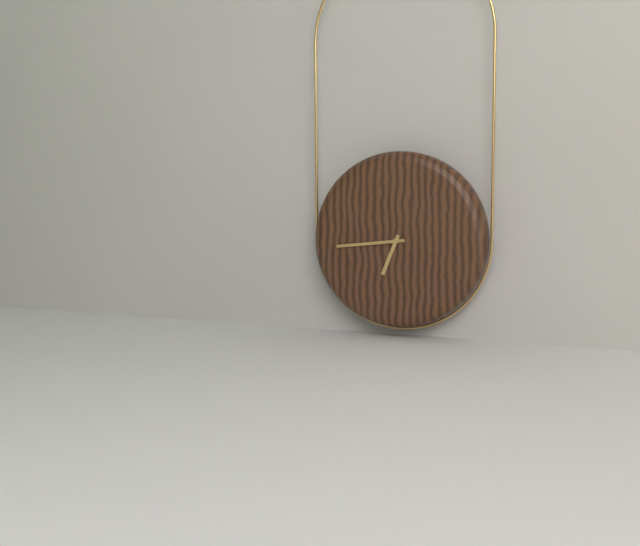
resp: 6h44
